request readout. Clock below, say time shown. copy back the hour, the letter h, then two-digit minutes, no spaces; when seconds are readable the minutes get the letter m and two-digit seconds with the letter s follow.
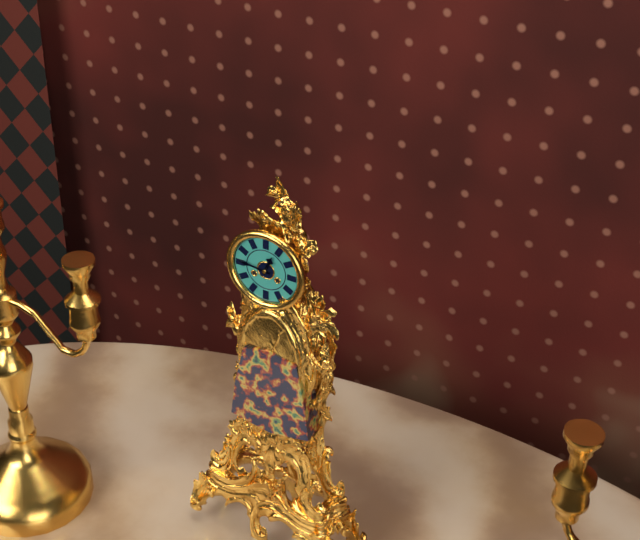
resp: 12h46
